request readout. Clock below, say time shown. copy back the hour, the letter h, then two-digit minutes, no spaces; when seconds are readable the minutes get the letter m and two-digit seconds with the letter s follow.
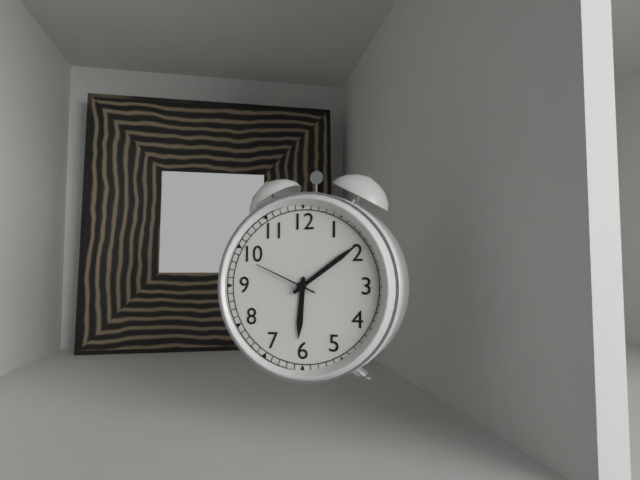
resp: 6h09m49s
